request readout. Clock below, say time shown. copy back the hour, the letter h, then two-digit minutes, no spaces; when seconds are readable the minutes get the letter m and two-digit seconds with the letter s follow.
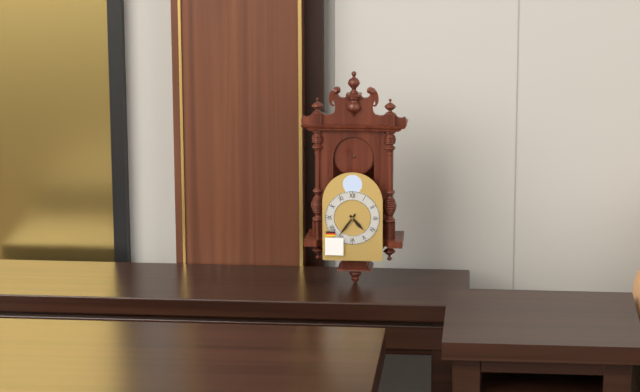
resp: 4h36
